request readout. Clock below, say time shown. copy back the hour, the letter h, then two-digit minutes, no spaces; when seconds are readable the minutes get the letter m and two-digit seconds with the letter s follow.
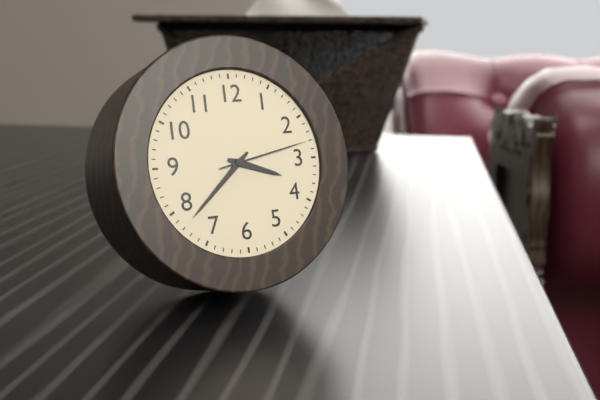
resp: 3h38m13s
